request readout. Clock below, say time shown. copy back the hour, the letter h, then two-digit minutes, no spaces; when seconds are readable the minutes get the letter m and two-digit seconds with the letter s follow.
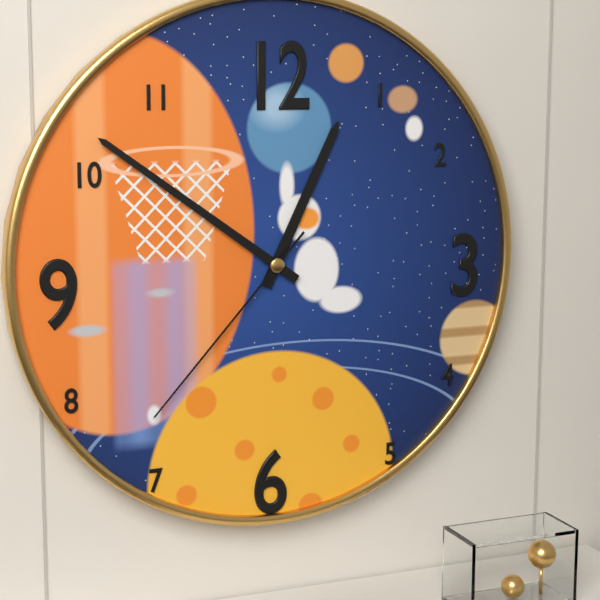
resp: 12h51m37s
